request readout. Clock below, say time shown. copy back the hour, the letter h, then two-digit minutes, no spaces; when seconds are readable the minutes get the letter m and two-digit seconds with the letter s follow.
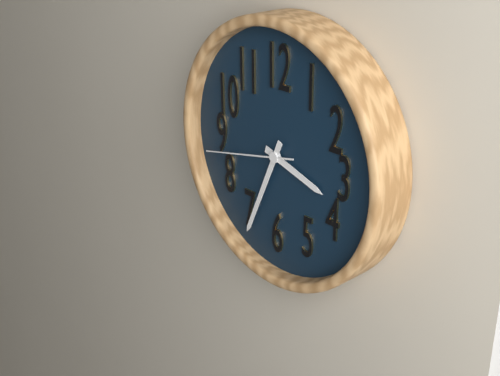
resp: 3h34m43s
